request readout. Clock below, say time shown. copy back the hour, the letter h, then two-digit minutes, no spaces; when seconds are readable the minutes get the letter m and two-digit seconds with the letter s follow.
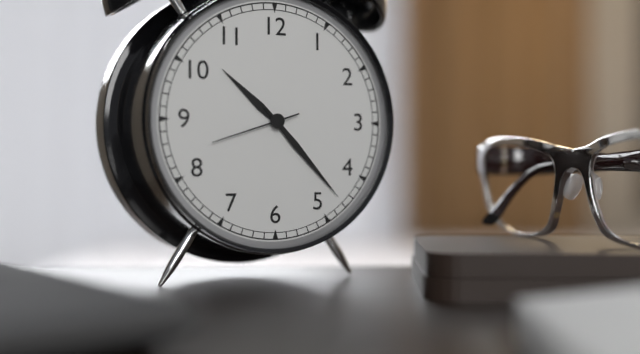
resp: 10h23m42s
